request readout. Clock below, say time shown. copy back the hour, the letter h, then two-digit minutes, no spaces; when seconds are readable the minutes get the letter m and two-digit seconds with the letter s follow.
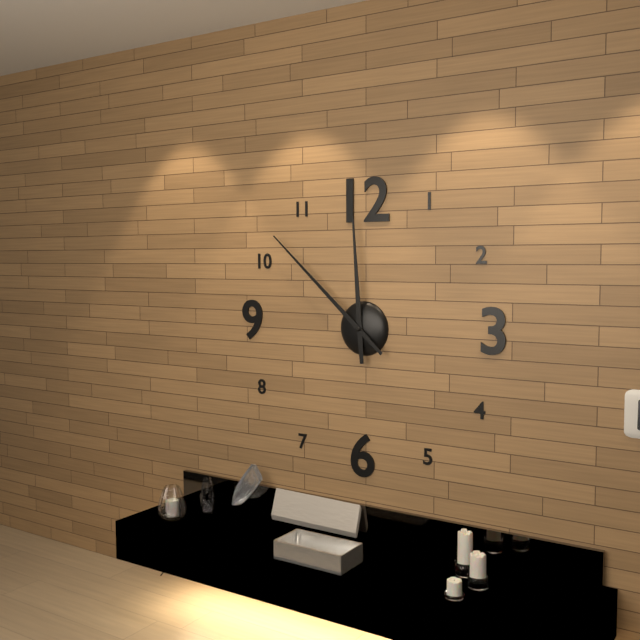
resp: 11h52
